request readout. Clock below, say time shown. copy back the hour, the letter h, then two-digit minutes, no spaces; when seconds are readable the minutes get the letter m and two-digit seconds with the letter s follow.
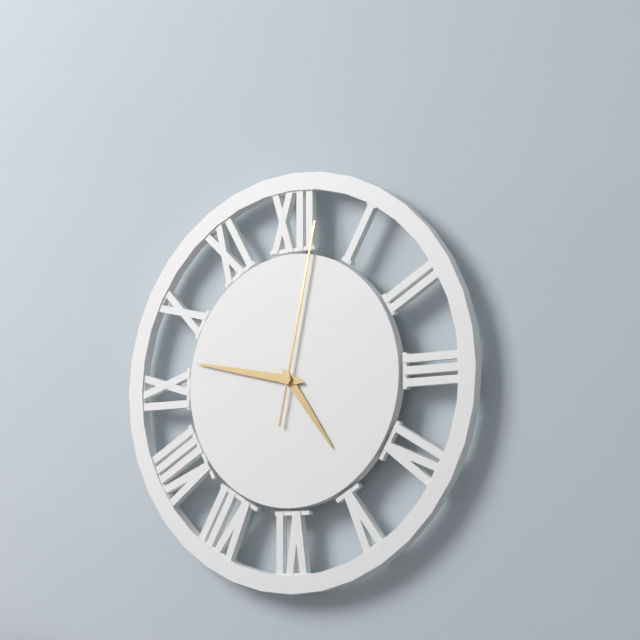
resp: 4h47m02s
